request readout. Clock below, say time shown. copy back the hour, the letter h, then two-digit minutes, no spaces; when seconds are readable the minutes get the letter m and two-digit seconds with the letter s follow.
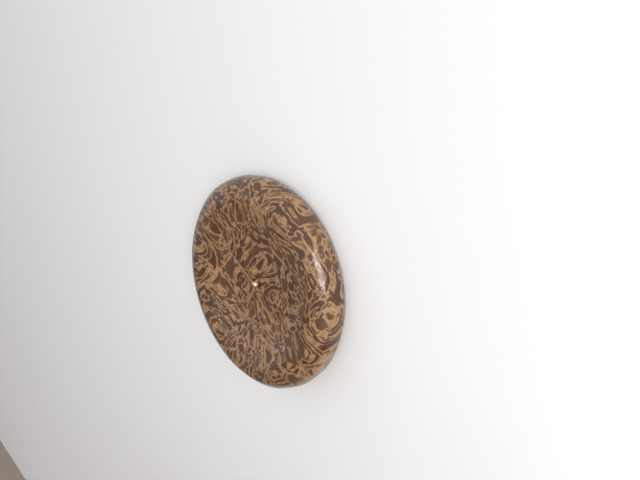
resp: 6h50
